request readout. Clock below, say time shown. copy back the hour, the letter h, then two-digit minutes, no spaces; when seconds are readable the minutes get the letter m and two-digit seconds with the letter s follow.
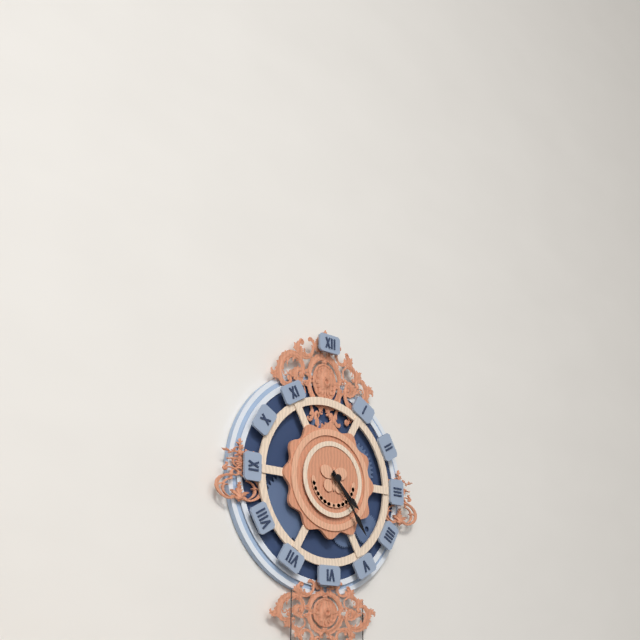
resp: 4h24
